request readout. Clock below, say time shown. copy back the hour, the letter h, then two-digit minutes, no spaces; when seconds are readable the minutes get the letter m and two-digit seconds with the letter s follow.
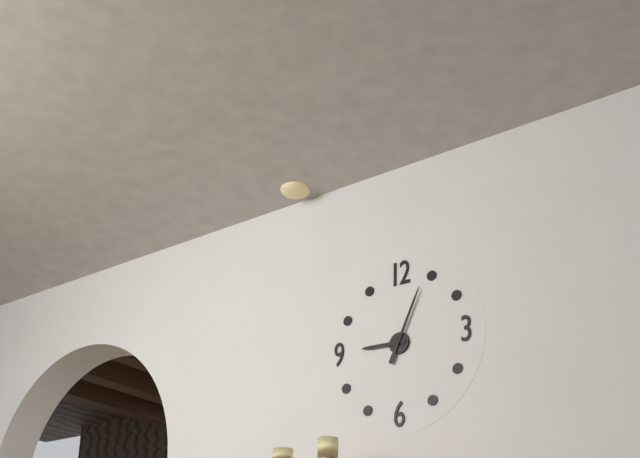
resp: 9h04
